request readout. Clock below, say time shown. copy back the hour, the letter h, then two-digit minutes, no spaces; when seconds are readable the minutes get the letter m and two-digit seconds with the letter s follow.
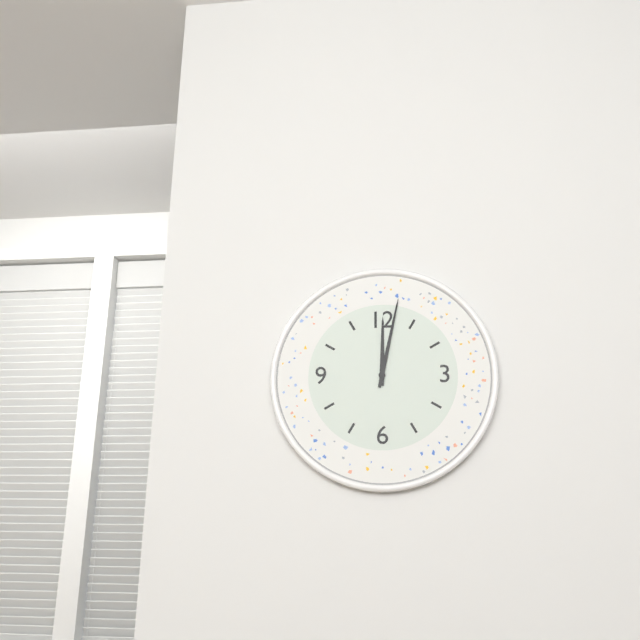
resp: 12h02
